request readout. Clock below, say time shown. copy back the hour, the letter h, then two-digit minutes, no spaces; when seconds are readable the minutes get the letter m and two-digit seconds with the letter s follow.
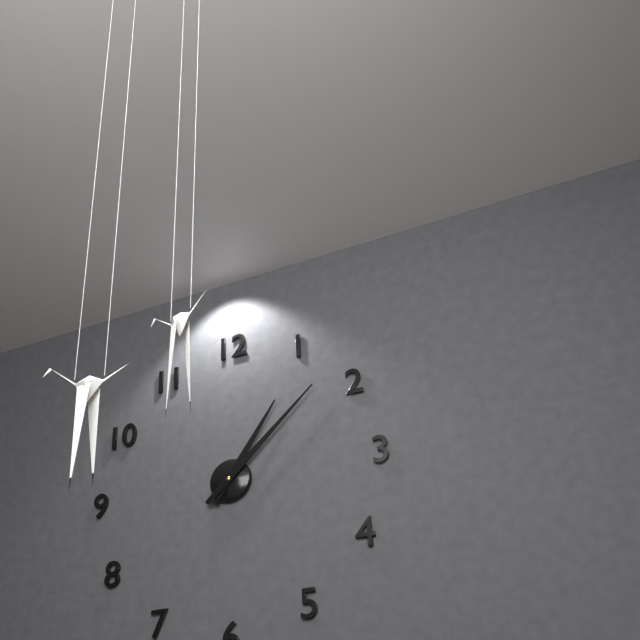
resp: 1h08
